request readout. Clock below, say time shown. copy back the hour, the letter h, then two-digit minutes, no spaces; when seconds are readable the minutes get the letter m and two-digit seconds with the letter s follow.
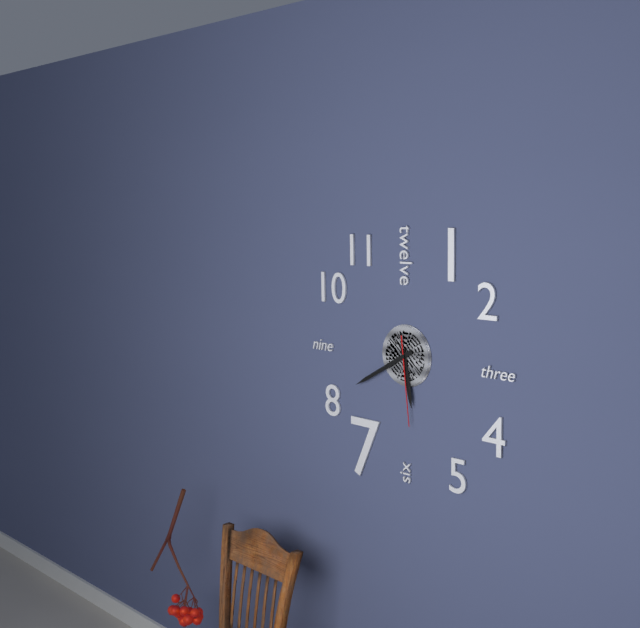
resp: 5h40m29s
